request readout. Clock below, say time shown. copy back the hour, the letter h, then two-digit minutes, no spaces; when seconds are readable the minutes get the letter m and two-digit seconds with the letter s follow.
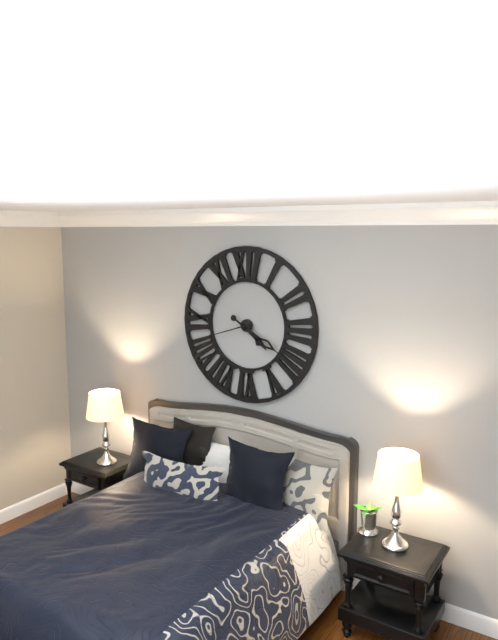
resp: 4h20
